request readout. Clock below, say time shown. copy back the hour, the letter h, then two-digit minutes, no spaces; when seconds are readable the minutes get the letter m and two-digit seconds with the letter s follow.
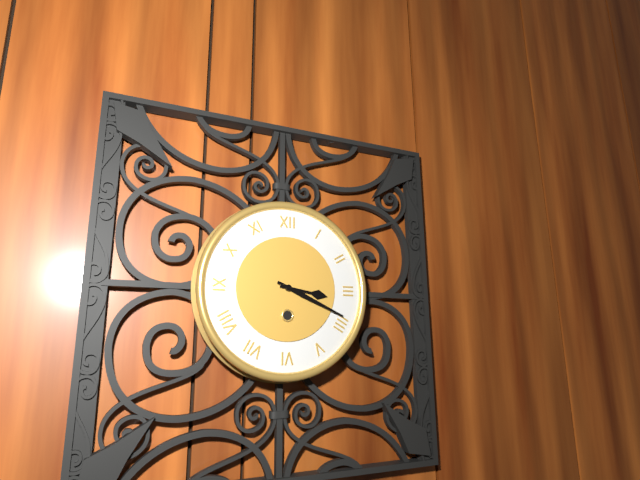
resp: 3h19
